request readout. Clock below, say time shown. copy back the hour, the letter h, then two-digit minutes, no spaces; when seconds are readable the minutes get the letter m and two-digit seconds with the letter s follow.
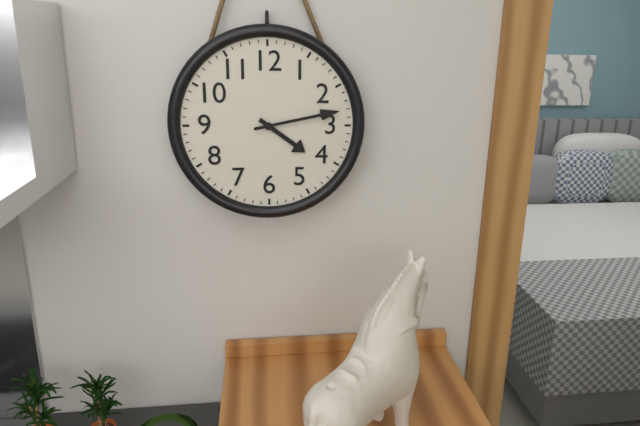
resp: 4h13
